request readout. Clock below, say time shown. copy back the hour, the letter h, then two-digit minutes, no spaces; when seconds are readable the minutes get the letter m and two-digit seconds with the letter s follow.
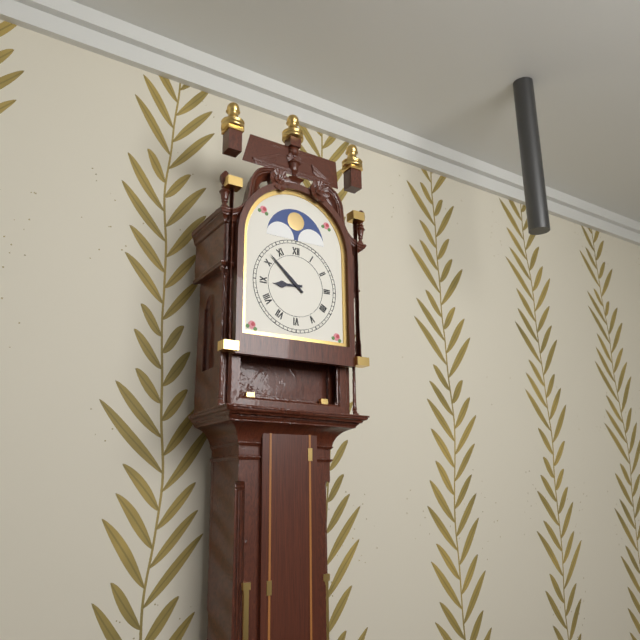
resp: 8h52
